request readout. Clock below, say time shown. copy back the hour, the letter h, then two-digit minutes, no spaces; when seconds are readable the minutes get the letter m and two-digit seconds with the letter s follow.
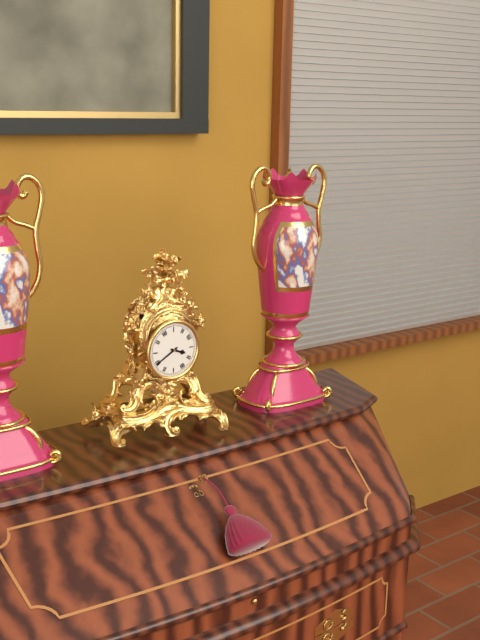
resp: 3h40
